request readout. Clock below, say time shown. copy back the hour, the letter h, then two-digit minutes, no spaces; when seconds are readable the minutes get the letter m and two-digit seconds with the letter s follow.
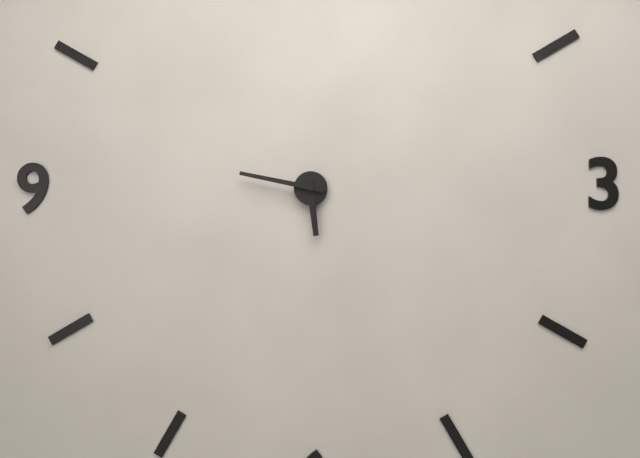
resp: 5h47
